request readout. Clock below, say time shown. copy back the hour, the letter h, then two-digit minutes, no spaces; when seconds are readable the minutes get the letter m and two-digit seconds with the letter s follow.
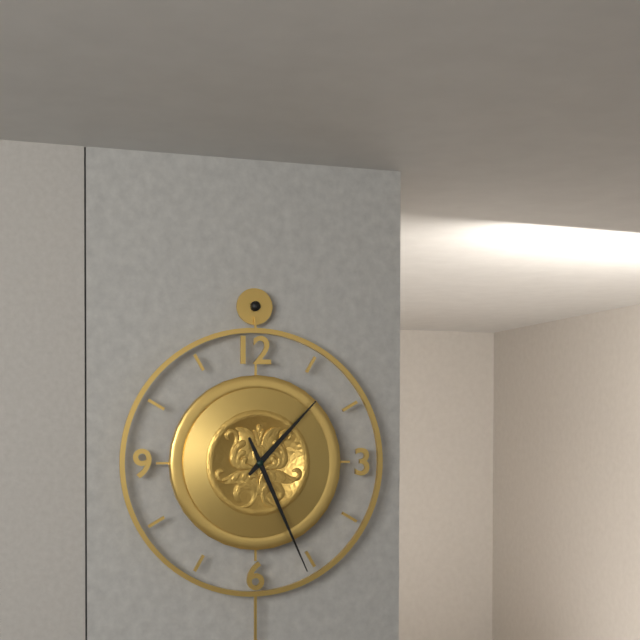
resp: 1h26
